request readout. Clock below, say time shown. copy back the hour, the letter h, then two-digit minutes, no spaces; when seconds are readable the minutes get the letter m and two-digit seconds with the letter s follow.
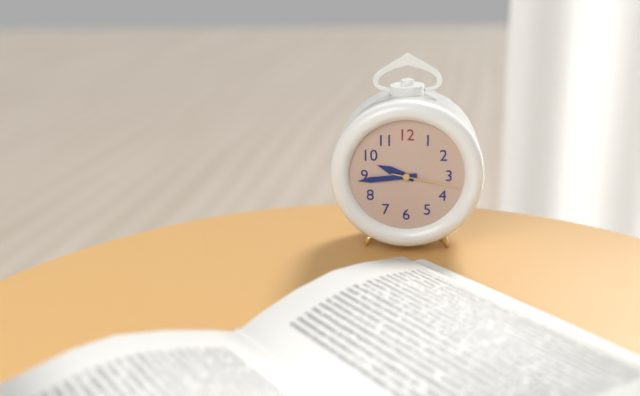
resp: 9h44m17s
